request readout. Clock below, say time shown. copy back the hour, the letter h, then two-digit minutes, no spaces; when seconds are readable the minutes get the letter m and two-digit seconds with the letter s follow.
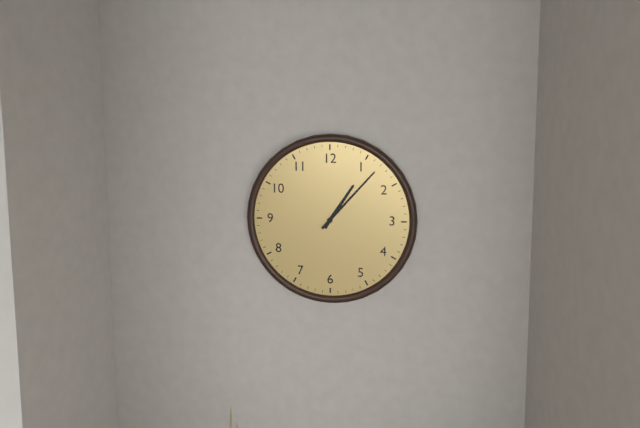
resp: 1h07
